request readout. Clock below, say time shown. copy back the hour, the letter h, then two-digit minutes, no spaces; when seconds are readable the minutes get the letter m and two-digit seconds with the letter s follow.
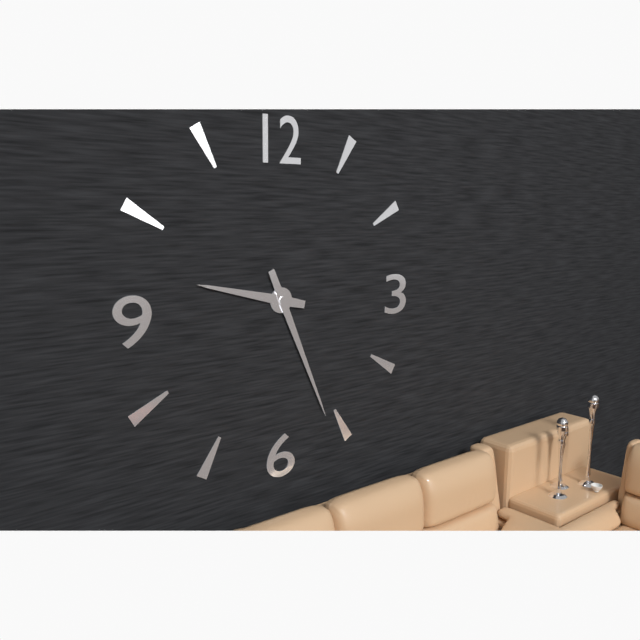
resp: 9h26
